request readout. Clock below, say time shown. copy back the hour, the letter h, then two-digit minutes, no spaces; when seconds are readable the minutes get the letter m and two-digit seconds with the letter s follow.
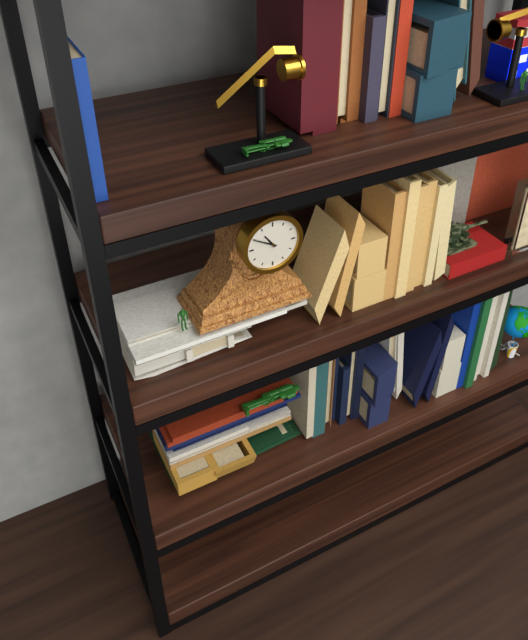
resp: 10h50
